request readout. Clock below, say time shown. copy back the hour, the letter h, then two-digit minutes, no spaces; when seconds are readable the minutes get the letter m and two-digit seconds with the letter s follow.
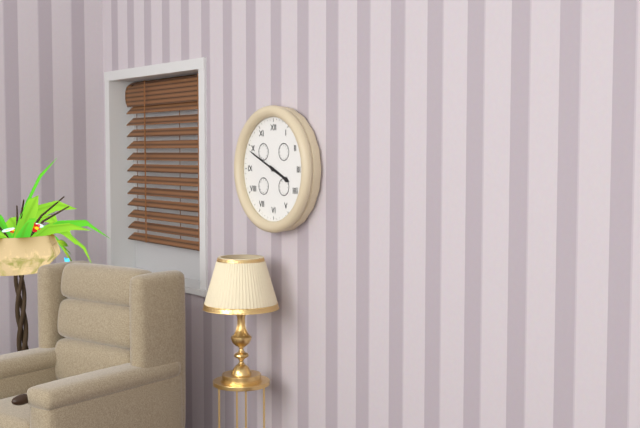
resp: 3h49
